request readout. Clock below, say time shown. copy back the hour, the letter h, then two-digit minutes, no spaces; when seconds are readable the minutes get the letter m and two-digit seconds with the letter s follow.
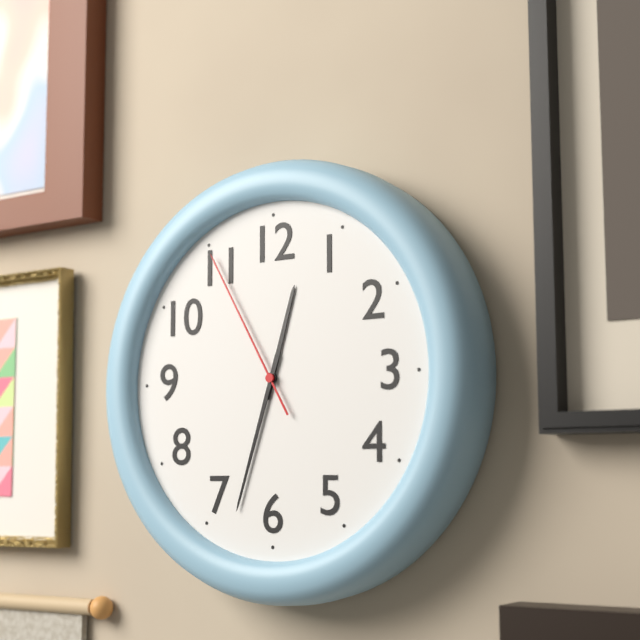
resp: 12h33m55s
